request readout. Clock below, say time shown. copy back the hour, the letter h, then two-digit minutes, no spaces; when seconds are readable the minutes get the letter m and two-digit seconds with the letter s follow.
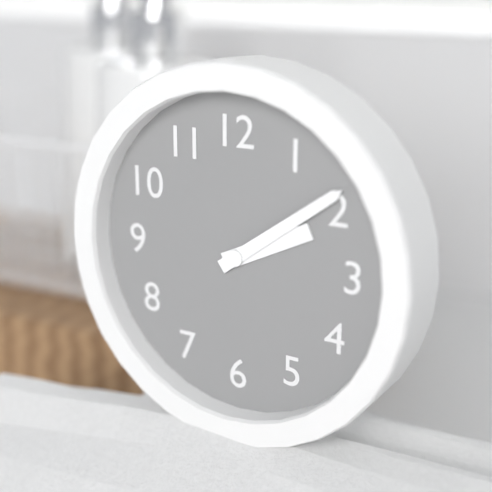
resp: 2h09
